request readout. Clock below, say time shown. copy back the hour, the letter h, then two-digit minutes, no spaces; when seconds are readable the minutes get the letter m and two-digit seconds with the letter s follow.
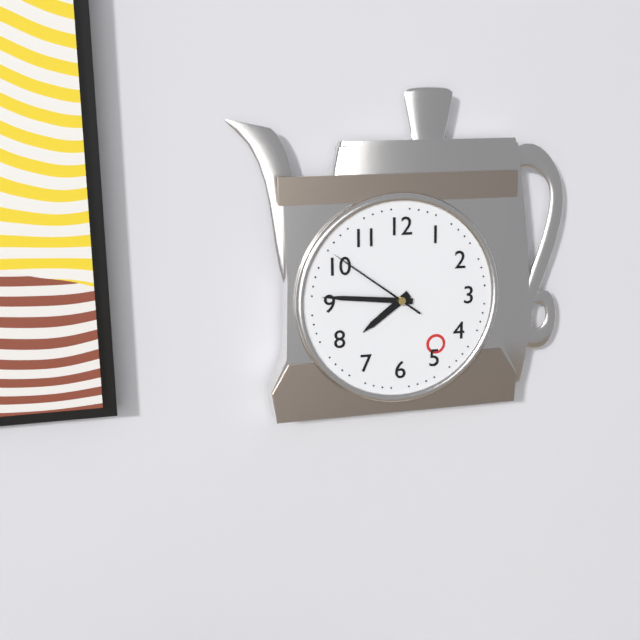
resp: 7h46m51s
